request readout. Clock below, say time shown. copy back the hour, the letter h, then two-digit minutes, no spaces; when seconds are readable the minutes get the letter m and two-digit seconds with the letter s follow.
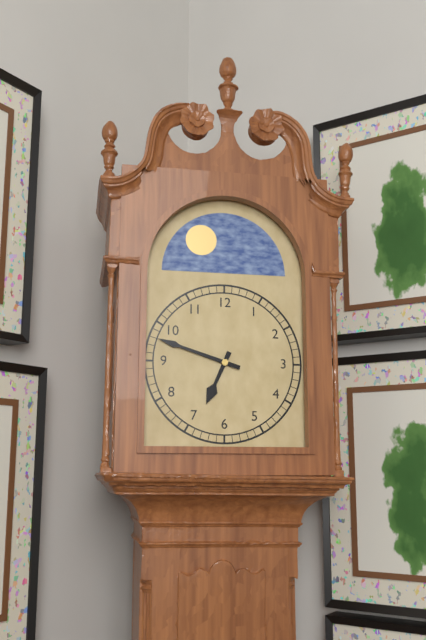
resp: 6h48
